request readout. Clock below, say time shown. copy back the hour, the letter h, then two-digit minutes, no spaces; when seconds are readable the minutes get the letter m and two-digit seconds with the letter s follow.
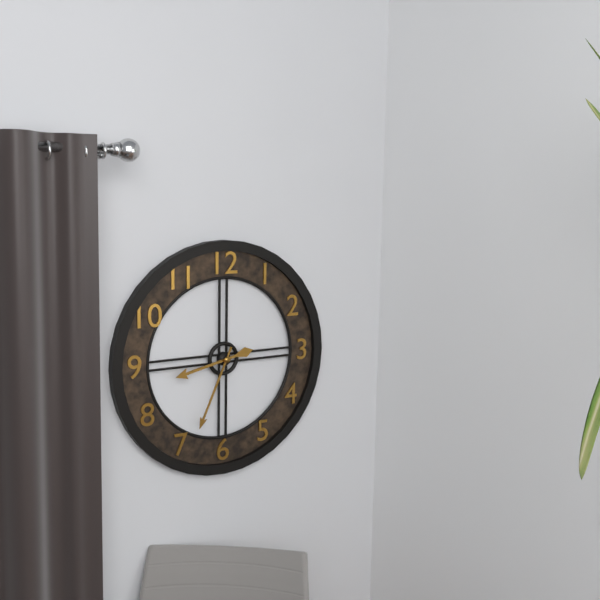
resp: 8h34
